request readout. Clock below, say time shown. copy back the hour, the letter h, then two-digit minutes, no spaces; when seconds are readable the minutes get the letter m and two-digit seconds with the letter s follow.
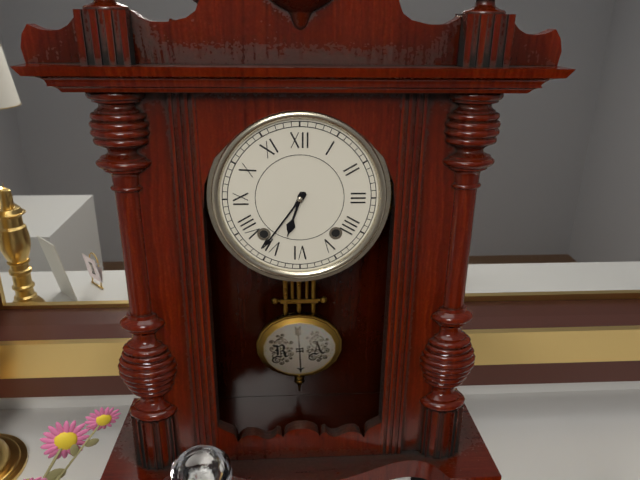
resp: 6h36
